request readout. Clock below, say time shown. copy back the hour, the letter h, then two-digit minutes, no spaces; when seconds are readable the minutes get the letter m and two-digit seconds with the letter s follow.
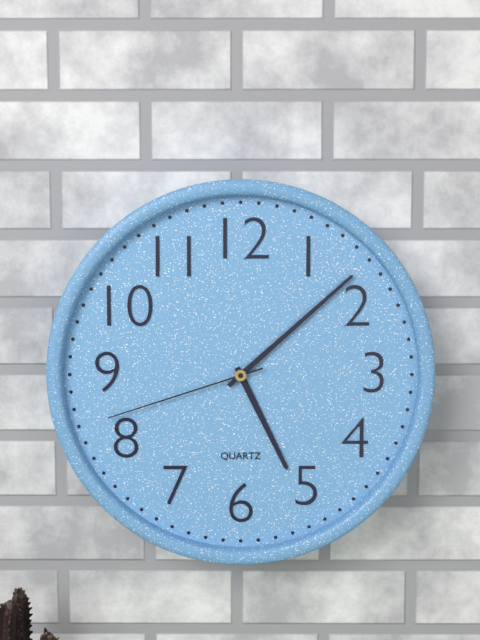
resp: 5h08m42s
